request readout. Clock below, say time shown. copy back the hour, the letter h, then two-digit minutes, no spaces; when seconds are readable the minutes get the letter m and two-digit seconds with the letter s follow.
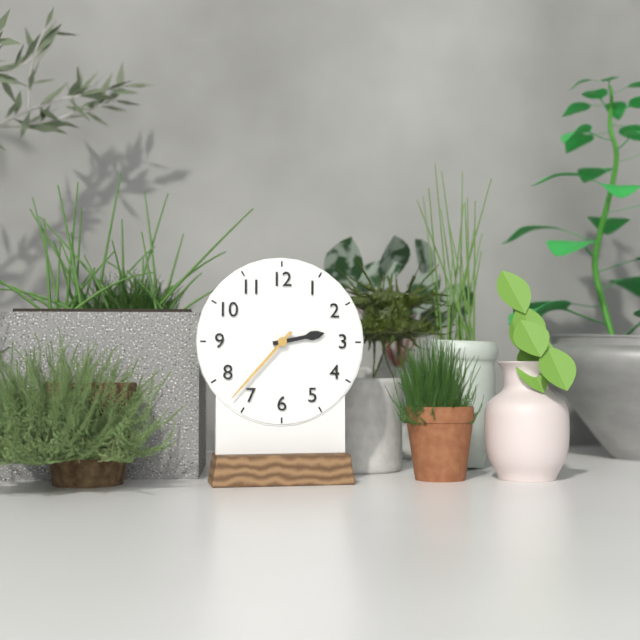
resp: 2h37
